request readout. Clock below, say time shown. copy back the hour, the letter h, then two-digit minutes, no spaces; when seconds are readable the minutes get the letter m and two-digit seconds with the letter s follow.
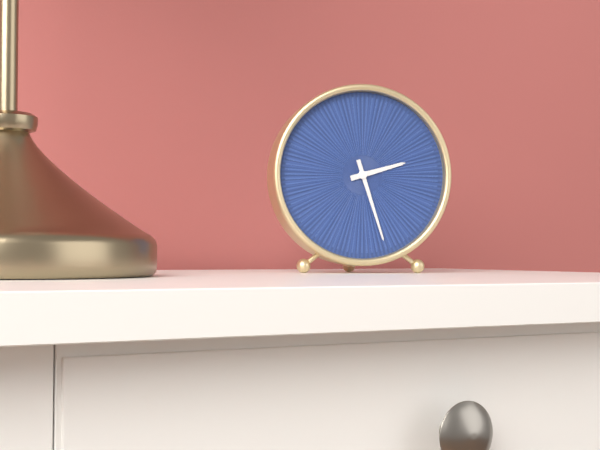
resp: 2h27
